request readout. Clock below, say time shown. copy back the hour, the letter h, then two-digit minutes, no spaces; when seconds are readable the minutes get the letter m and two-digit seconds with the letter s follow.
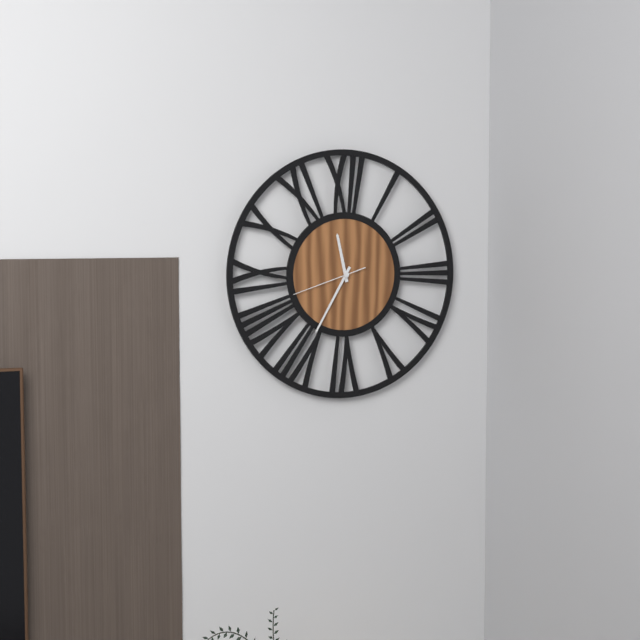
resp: 11h35m42s
